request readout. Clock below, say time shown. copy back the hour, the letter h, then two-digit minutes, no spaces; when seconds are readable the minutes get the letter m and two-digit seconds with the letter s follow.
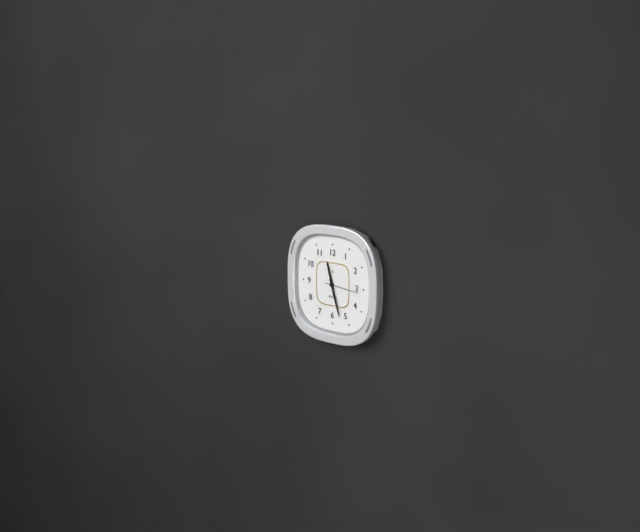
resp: 11h27
